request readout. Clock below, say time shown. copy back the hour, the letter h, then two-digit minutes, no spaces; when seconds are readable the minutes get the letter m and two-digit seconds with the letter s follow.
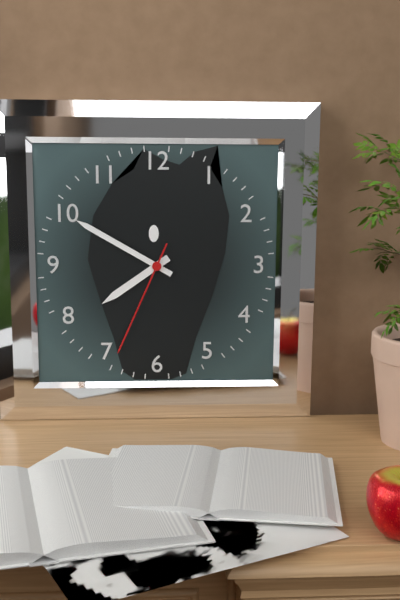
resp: 7h50m34s
